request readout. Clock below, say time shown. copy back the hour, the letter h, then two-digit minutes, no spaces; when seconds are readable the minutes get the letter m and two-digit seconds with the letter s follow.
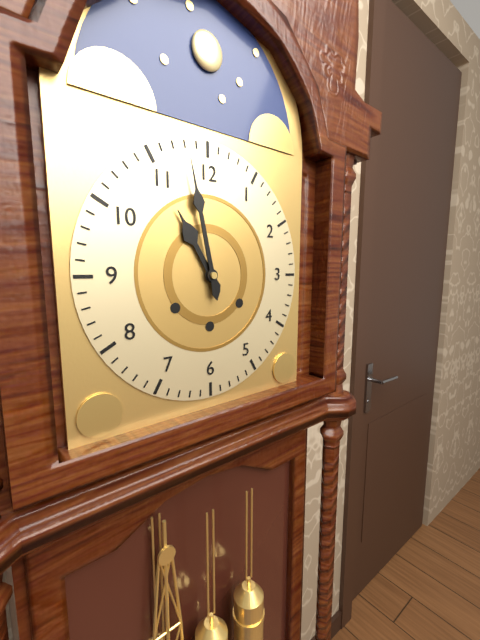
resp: 10h58
